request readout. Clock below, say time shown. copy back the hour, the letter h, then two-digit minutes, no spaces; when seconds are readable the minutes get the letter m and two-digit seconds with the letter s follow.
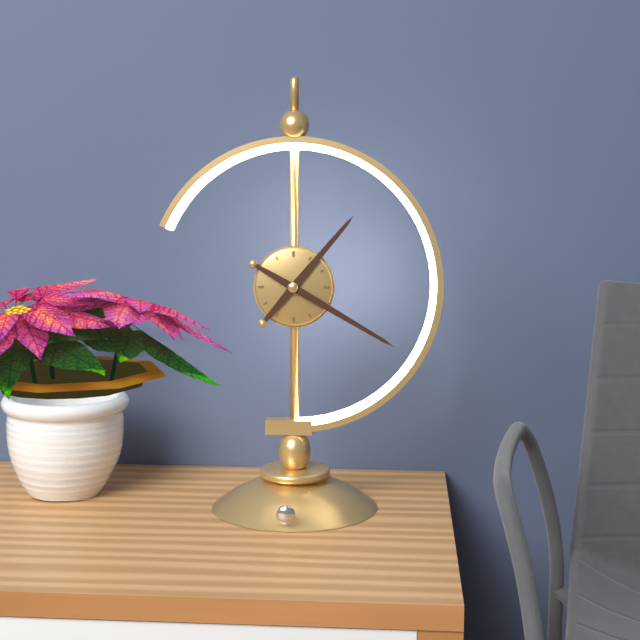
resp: 1h20
